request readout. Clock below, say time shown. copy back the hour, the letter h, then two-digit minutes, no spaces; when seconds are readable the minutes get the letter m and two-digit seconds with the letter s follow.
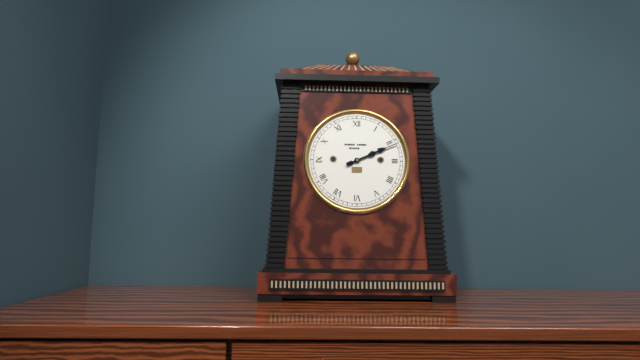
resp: 2h11
